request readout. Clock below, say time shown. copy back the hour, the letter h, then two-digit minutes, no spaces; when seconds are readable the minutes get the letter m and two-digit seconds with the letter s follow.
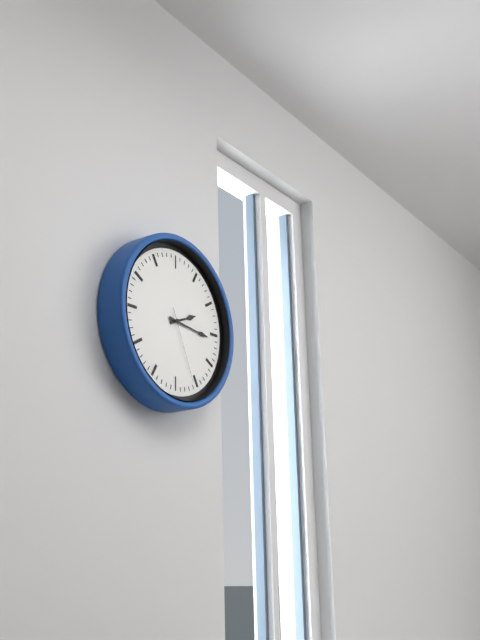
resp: 2h16m26s
